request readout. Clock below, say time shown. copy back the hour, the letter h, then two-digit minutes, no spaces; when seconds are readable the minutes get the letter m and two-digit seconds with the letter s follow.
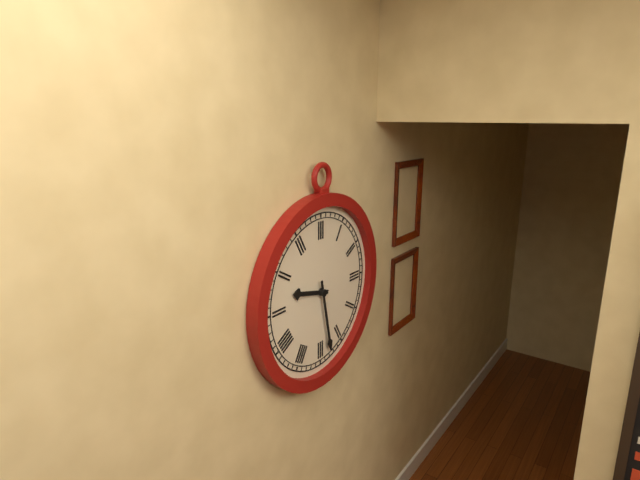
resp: 9h28
